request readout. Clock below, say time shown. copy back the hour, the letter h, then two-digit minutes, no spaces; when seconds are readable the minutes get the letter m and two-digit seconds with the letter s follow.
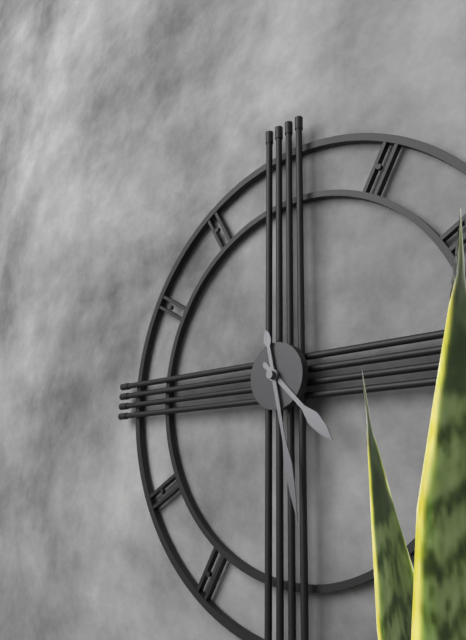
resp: 4h28
